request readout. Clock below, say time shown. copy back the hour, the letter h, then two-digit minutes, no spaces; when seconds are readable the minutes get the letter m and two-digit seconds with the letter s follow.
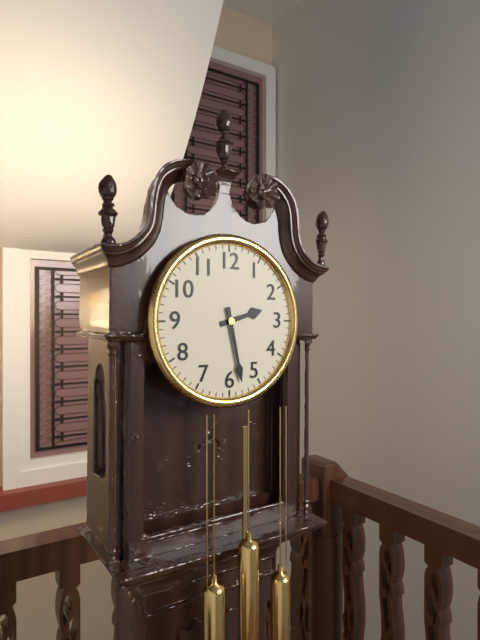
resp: 2h28
